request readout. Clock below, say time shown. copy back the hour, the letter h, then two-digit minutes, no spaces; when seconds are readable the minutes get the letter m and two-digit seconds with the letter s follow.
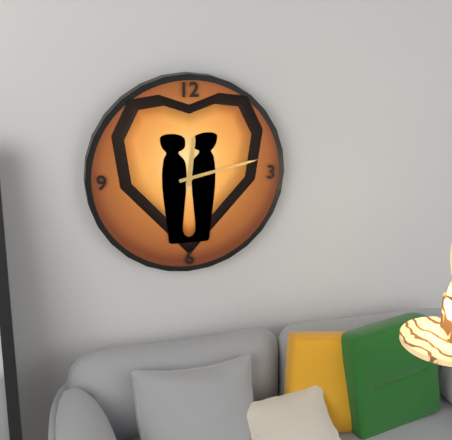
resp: 12h13
